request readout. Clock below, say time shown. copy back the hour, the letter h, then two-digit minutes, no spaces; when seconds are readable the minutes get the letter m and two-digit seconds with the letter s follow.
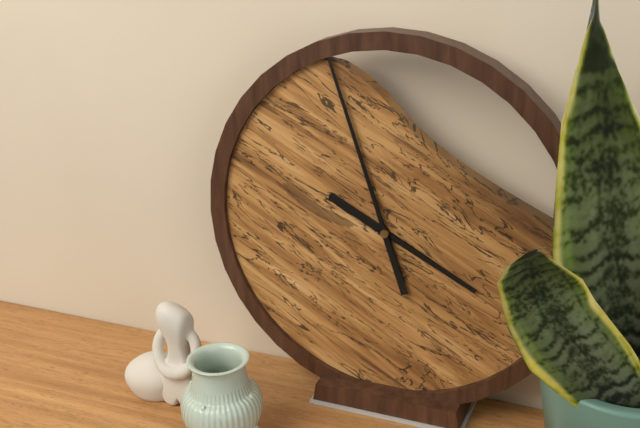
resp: 3h57
